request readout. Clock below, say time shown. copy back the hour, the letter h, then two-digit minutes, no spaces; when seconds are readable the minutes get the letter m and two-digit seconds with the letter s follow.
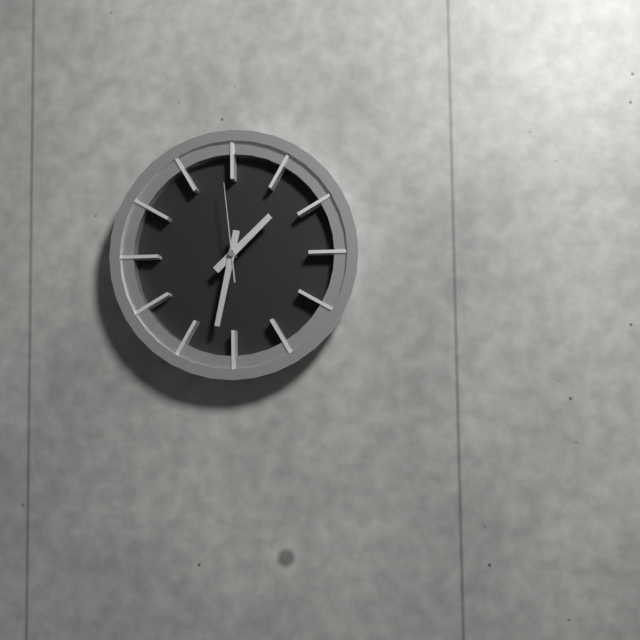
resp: 1h32m59s
